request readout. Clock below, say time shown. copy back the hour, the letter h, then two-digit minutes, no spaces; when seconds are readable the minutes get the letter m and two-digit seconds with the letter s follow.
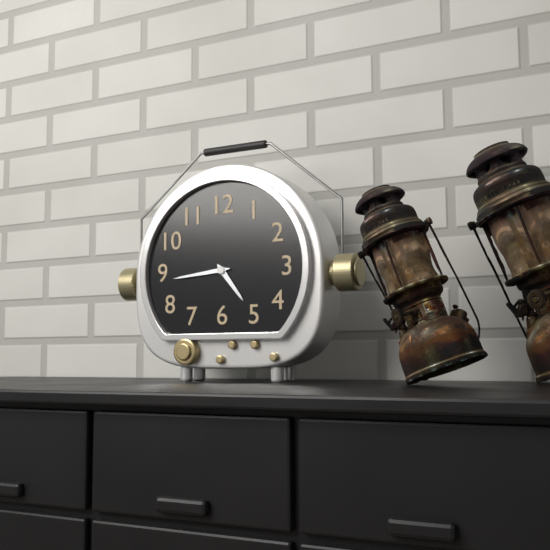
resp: 4h44
